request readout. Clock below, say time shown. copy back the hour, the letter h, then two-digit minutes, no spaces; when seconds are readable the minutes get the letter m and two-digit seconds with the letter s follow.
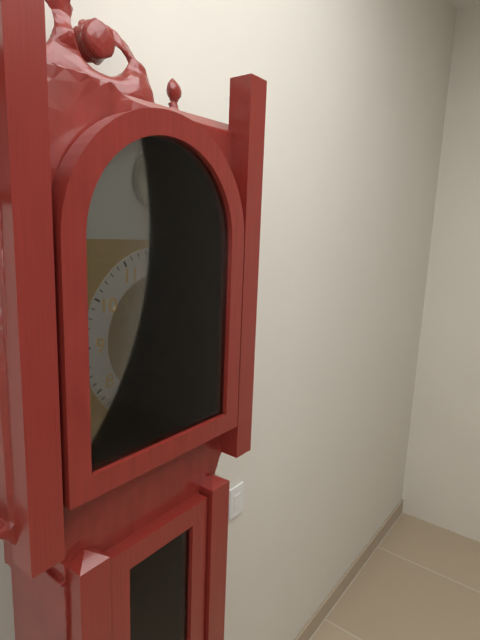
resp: 6h59
